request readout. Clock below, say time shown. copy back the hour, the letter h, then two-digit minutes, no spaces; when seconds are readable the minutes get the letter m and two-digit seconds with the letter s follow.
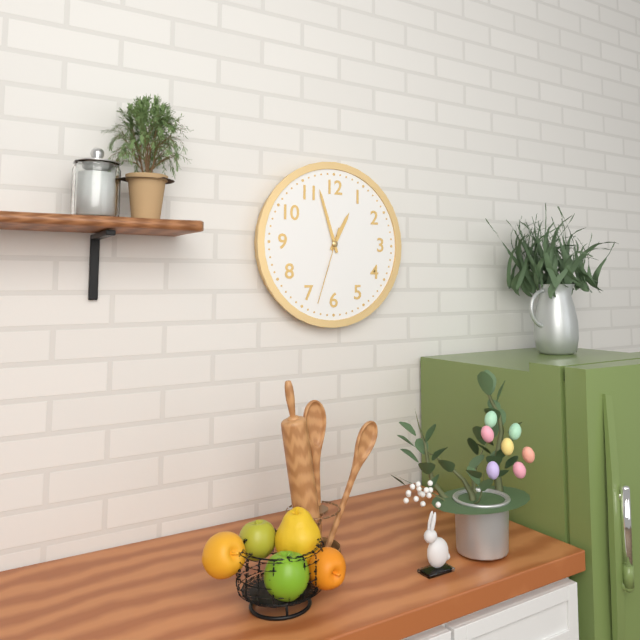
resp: 12h57m33s
